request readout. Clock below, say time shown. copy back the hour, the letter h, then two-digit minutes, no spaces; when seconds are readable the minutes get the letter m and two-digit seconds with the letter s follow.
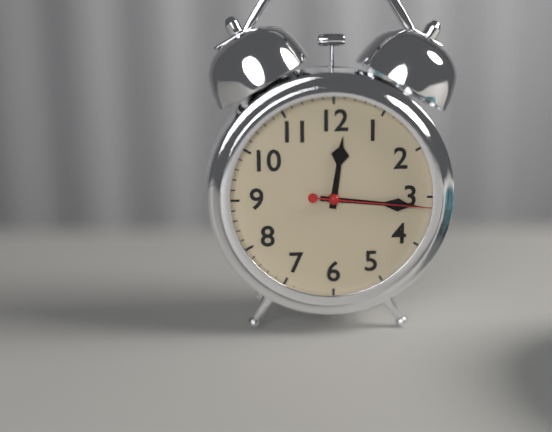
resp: 12h16m16s
